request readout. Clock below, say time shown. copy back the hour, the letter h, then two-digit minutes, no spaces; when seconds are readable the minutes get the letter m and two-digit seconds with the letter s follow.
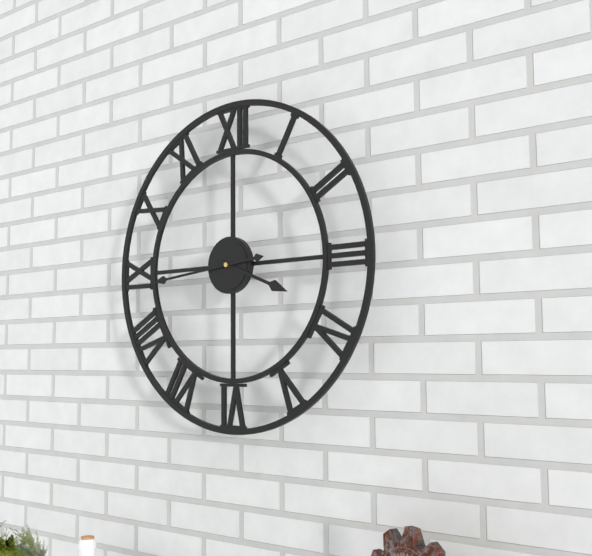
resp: 3h44
